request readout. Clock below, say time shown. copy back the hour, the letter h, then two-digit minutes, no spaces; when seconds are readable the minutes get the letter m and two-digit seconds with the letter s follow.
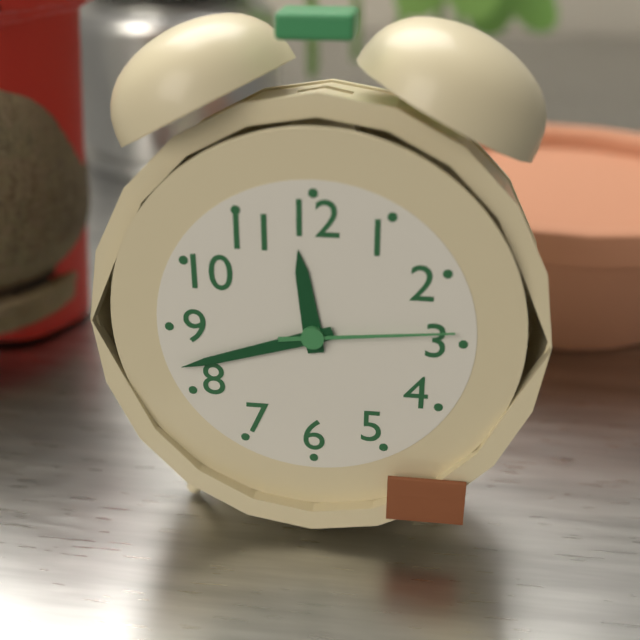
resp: 11h42m14s
